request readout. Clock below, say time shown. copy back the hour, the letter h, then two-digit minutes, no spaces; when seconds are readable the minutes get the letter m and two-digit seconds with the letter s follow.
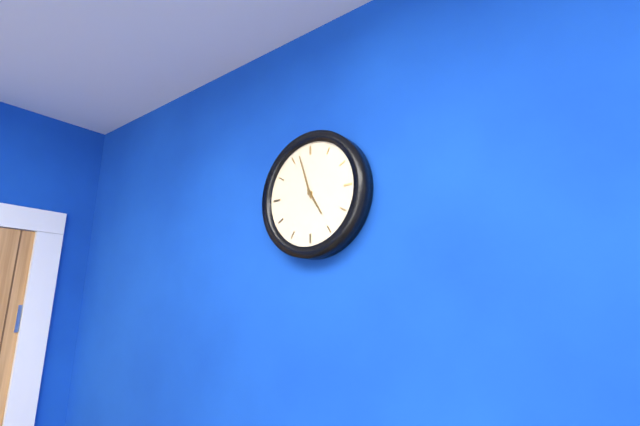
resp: 4h57
